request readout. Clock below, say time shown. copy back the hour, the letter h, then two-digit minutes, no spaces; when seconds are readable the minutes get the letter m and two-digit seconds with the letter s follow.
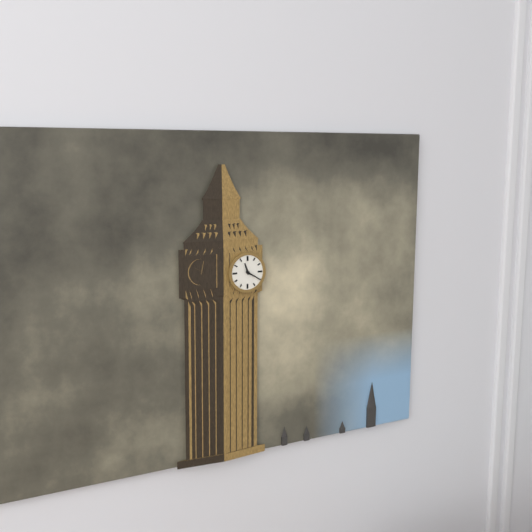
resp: 11h20
